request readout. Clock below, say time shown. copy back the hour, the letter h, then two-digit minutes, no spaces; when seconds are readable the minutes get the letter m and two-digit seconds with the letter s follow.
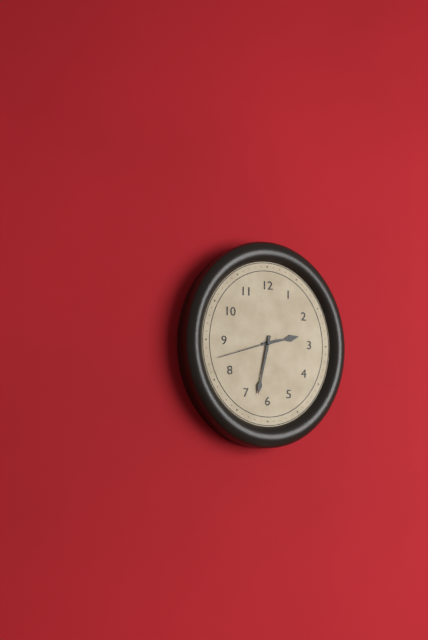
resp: 2h32m42s
